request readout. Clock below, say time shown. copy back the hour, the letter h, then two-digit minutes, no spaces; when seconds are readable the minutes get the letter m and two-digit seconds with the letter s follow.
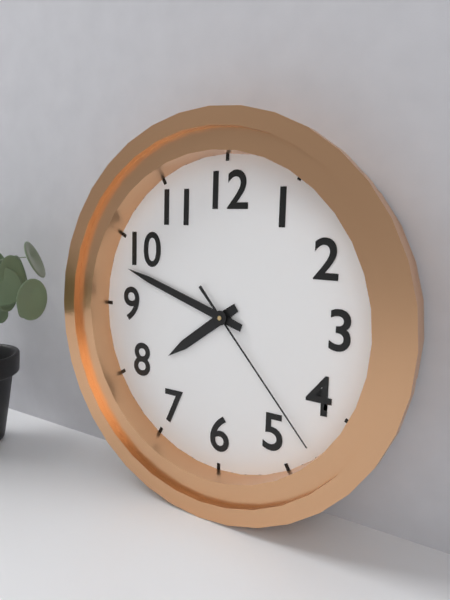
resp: 7h48m23s
